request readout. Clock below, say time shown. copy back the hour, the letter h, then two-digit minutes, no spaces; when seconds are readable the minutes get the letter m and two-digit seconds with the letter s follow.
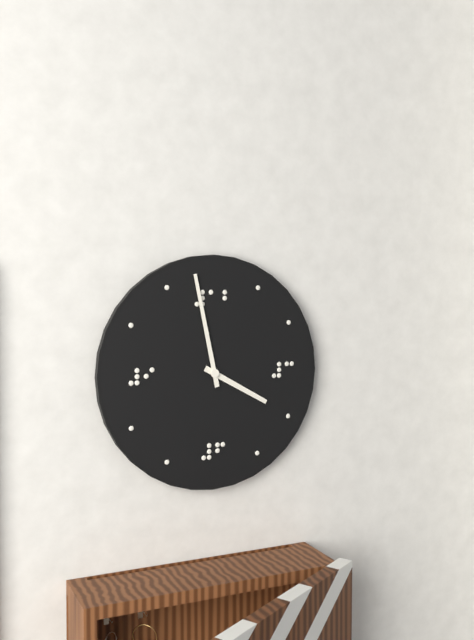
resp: 3h58
